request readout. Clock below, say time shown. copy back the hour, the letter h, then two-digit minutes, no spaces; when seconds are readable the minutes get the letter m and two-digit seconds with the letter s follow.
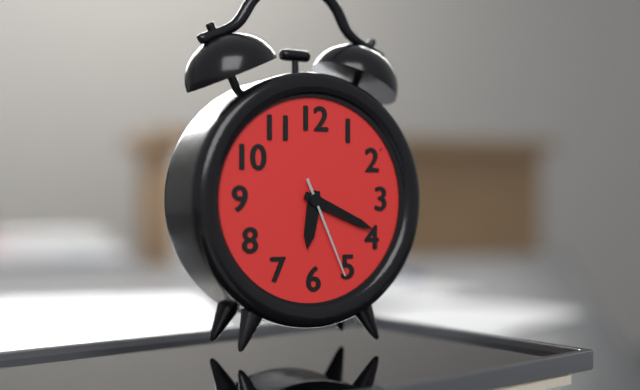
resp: 6h19m26s
